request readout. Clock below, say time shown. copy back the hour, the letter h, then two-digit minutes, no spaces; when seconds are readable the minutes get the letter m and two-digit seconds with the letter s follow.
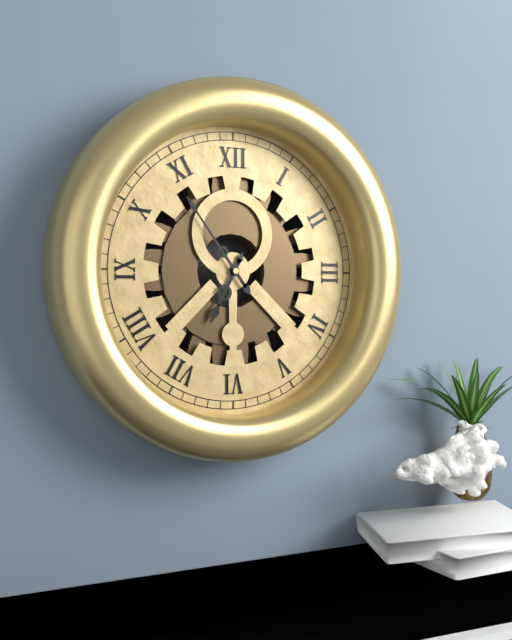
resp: 6h54
